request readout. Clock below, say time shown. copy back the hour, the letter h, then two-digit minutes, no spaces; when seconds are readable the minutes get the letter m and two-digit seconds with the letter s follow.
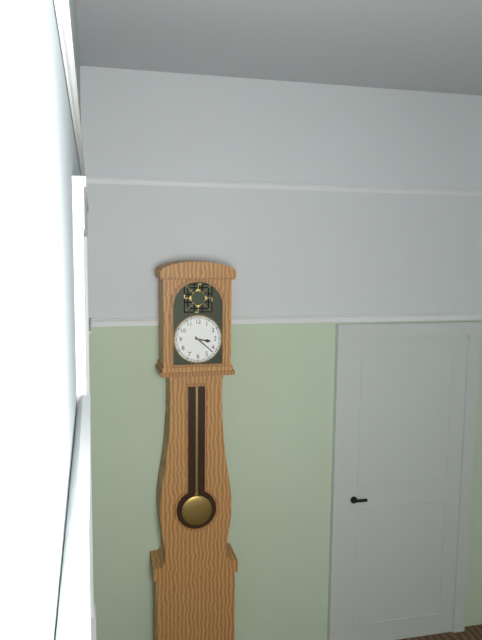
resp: 3h22
